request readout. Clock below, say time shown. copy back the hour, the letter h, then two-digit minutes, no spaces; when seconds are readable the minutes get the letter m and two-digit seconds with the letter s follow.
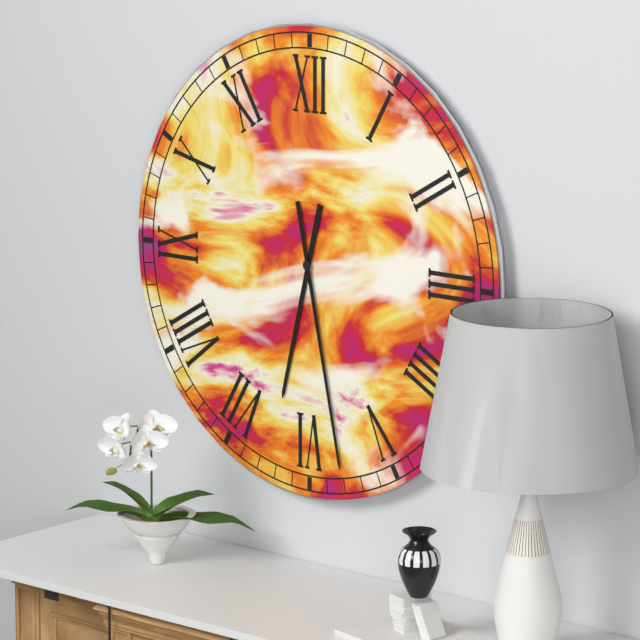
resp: 6h28
